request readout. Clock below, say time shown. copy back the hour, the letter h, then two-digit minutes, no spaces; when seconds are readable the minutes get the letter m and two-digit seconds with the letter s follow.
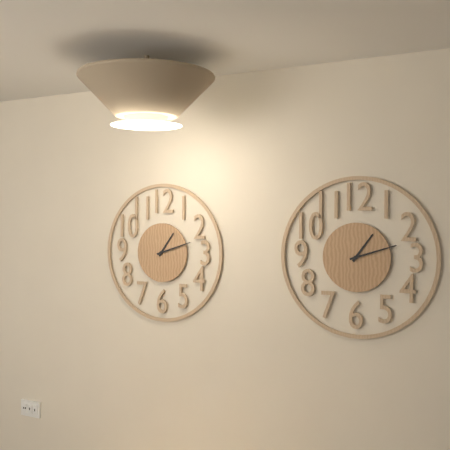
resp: 1h12
